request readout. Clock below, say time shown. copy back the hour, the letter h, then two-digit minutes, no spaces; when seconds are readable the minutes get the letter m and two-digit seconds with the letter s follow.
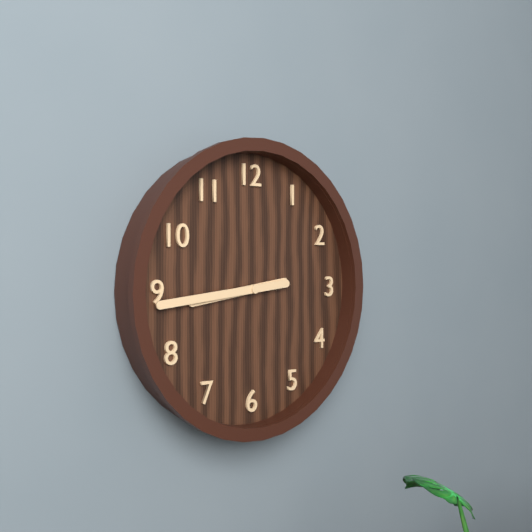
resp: 8h44
